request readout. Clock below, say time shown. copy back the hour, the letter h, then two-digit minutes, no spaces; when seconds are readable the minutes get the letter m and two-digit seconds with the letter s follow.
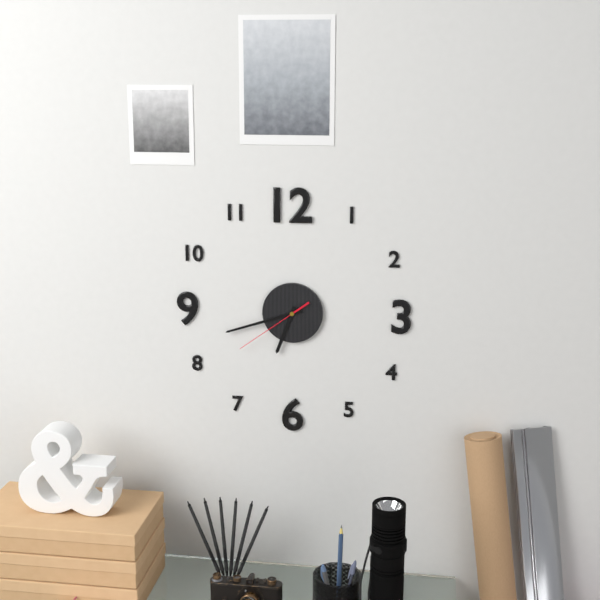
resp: 6h42m39s
